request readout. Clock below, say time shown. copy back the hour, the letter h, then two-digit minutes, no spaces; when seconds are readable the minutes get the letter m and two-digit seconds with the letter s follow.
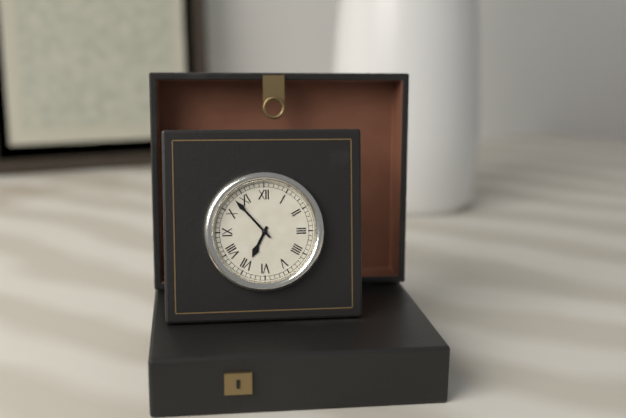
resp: 6h53
